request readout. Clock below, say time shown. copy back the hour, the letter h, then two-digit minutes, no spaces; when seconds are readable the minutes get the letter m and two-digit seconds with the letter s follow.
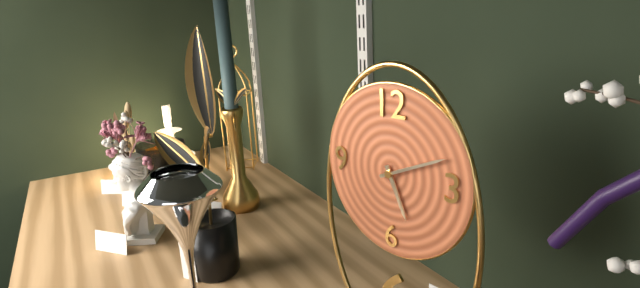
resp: 5h11
